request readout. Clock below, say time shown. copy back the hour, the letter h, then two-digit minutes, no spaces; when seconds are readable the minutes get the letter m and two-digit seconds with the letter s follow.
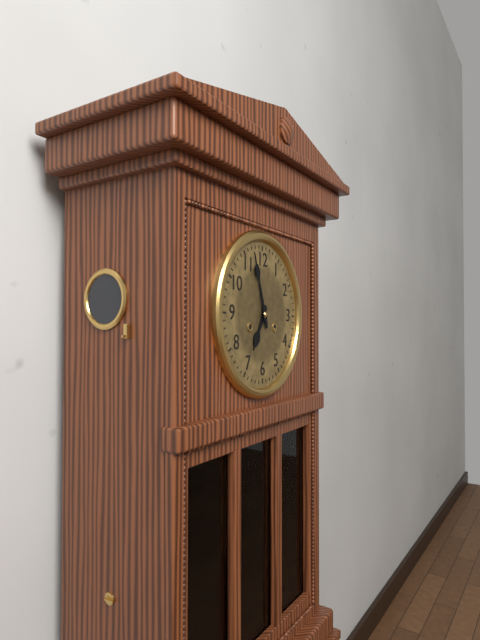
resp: 6h57
